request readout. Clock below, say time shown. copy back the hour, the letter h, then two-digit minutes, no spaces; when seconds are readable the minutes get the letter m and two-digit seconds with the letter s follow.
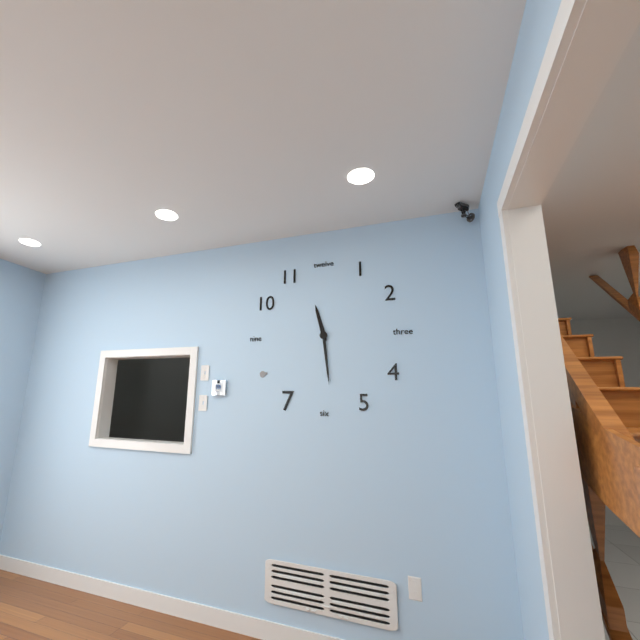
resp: 11h29
